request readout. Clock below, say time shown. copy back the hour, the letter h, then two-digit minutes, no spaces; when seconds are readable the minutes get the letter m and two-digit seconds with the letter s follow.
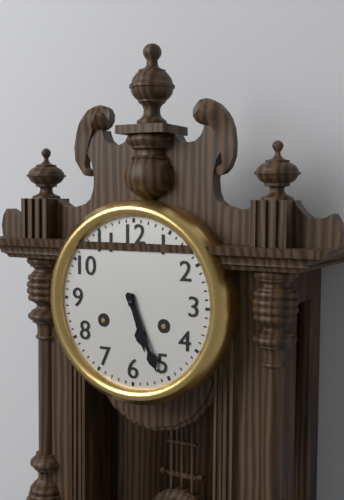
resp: 5h26
